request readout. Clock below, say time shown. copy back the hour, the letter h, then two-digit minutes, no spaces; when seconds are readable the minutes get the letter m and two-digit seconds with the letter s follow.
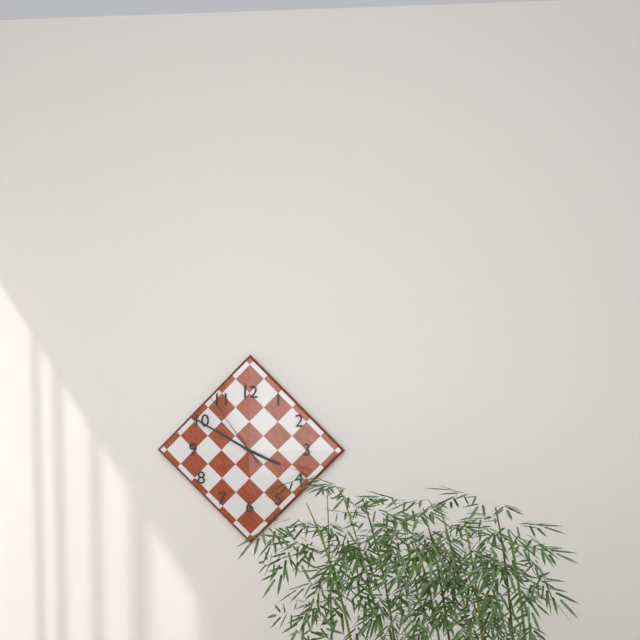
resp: 3h50m54s
